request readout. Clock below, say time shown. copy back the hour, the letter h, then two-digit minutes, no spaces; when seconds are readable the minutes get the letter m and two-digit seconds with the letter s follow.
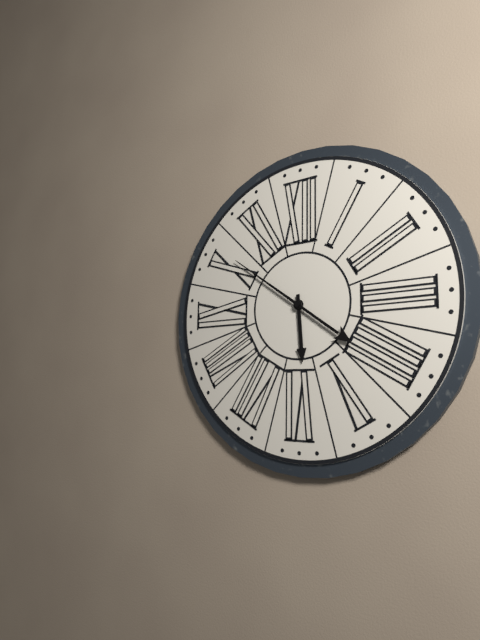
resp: 5h51
